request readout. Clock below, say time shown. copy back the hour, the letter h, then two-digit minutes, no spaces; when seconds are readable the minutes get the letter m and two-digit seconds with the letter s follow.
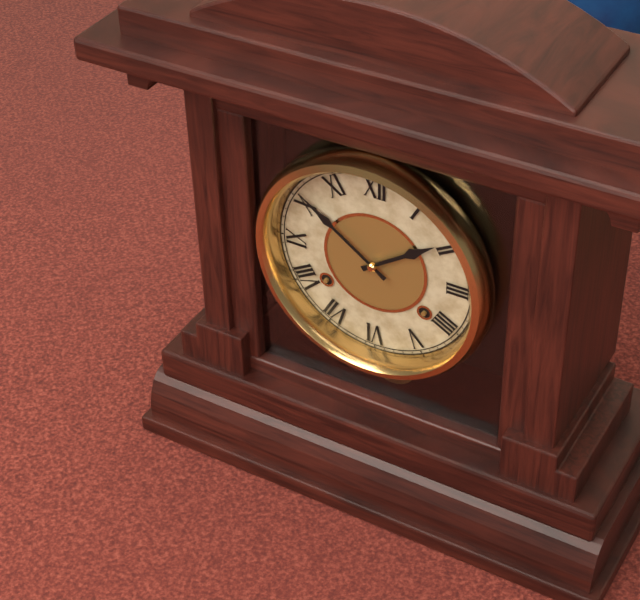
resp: 1h51
